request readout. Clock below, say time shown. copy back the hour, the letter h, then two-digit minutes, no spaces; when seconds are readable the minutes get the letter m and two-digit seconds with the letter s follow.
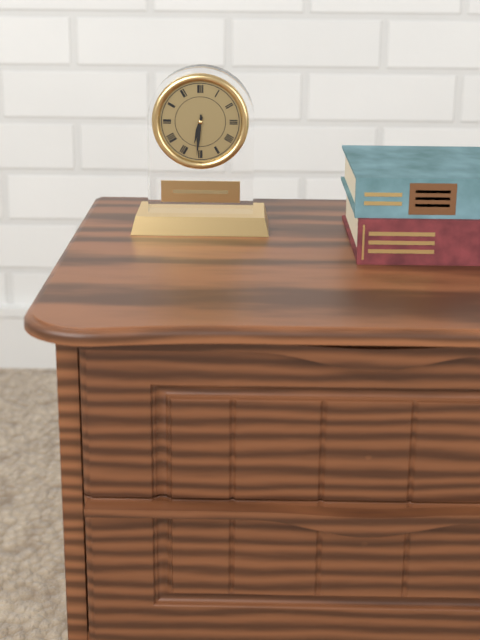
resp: 6h31
